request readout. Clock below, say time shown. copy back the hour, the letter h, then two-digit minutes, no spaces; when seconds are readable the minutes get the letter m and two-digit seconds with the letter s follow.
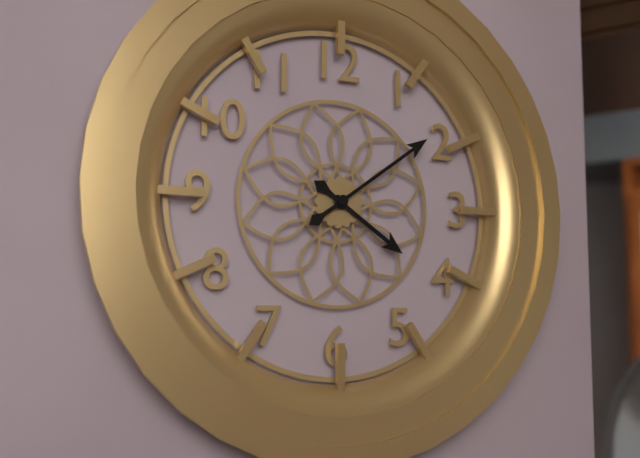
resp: 4h09
